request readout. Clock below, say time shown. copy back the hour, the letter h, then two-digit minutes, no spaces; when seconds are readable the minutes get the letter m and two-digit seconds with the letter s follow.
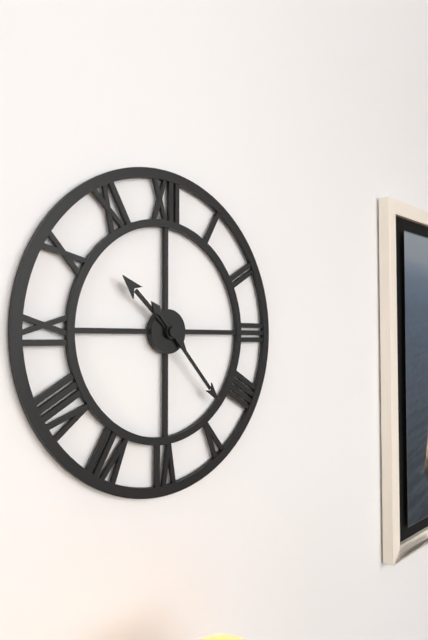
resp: 10h23
